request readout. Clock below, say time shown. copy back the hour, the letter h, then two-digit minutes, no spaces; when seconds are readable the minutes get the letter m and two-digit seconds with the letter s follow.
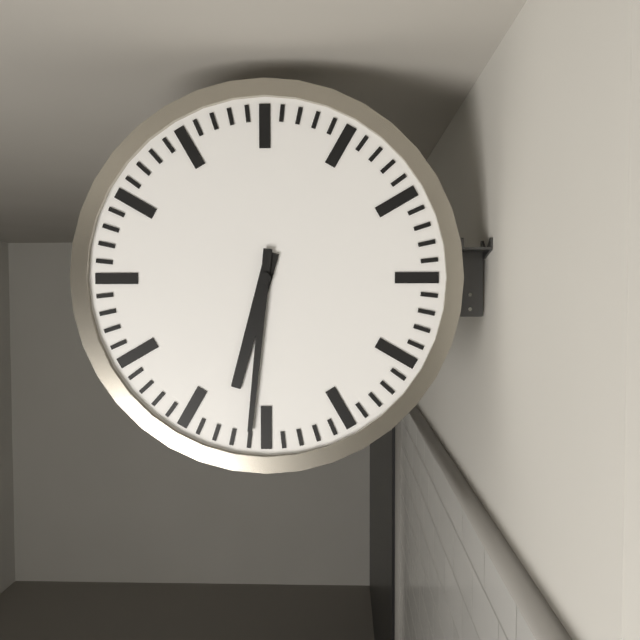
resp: 6h31
